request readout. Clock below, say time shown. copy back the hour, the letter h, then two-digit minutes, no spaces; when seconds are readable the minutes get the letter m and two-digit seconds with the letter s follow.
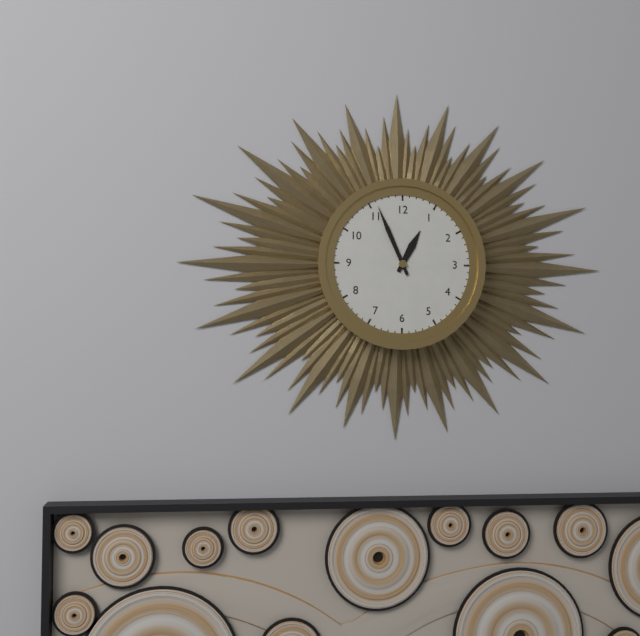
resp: 12h56
